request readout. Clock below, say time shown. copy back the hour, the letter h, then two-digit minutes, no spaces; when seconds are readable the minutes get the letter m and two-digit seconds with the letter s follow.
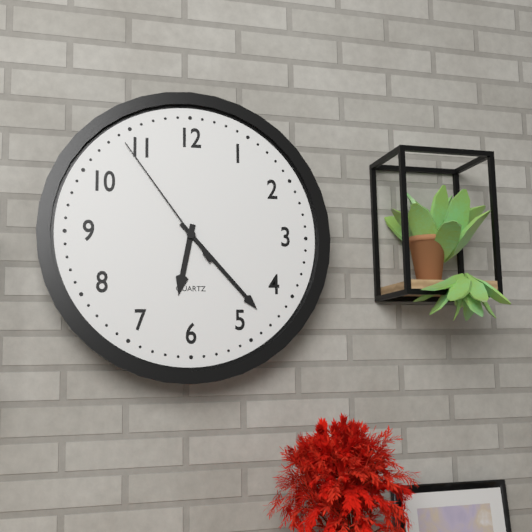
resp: 6h23m54s
